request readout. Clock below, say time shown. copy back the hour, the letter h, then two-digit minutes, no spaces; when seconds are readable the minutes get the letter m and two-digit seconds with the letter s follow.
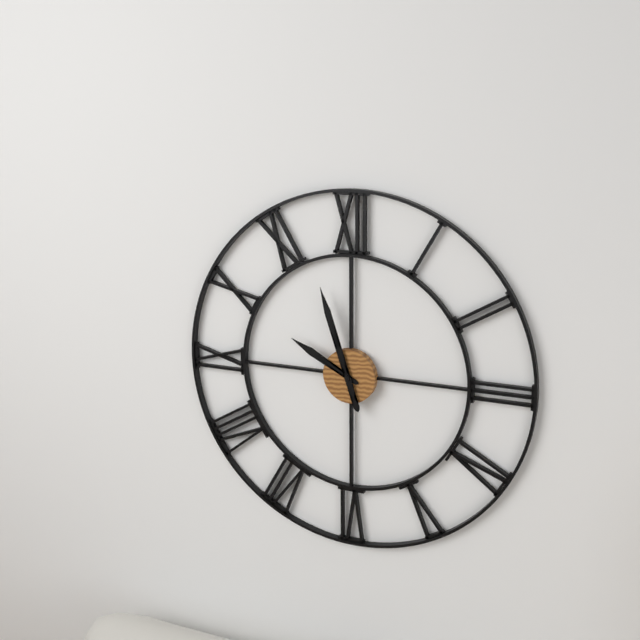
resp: 9h57
